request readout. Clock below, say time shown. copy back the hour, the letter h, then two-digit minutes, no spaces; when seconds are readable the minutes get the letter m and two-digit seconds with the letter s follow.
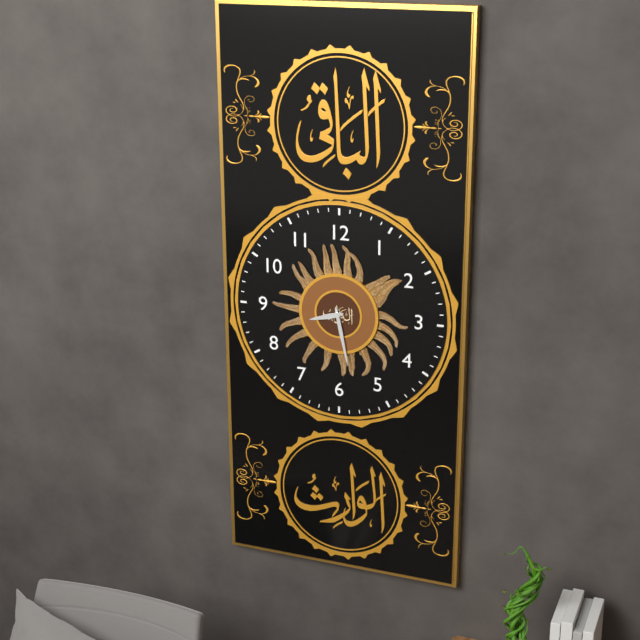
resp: 8h28
